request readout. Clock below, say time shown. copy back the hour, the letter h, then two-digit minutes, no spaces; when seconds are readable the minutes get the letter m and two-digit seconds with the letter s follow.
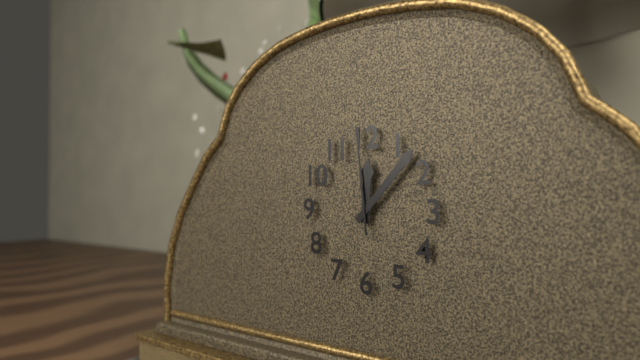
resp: 12h07m59s
